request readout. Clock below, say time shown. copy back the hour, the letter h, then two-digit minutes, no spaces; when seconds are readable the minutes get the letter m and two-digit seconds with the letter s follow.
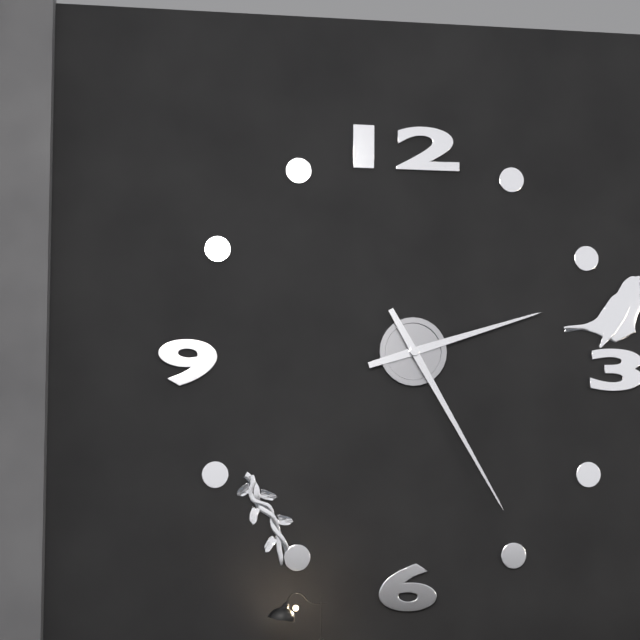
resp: 2h25
